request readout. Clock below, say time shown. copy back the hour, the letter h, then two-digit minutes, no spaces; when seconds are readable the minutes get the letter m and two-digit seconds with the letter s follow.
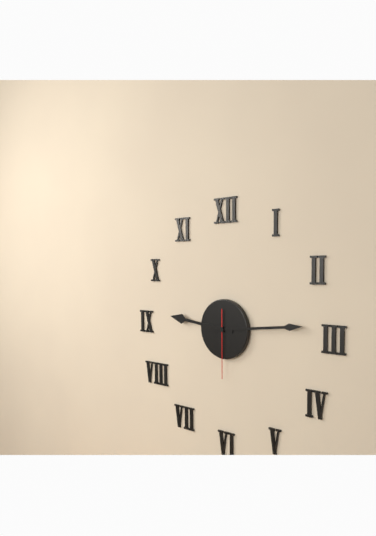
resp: 9h14m30s
